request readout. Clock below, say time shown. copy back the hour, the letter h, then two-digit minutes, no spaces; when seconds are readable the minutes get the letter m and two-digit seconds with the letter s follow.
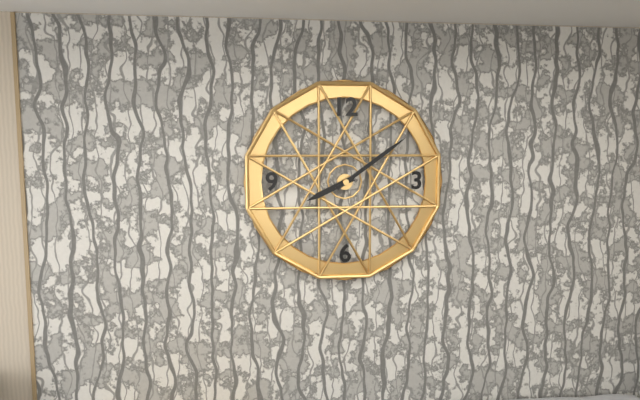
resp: 8h09
